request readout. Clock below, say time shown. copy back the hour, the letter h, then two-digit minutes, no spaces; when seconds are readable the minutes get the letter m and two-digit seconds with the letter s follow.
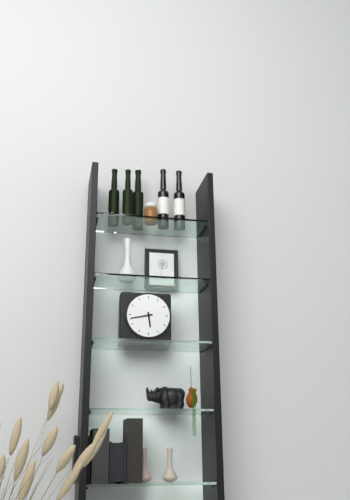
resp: 5h43
